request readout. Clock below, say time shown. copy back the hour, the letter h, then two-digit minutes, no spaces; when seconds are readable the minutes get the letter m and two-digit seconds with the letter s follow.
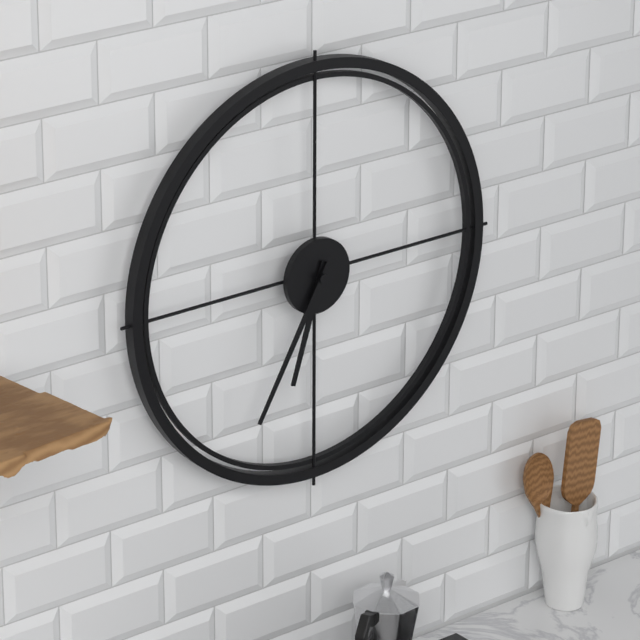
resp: 6h35
